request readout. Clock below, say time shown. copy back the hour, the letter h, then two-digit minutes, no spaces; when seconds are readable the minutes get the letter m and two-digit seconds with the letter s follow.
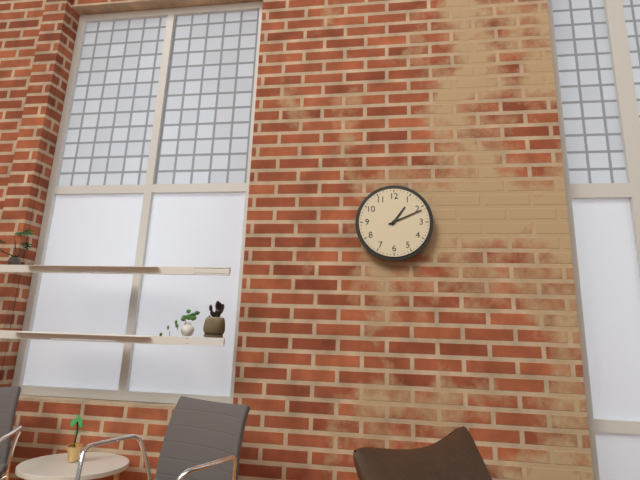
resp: 1h11
